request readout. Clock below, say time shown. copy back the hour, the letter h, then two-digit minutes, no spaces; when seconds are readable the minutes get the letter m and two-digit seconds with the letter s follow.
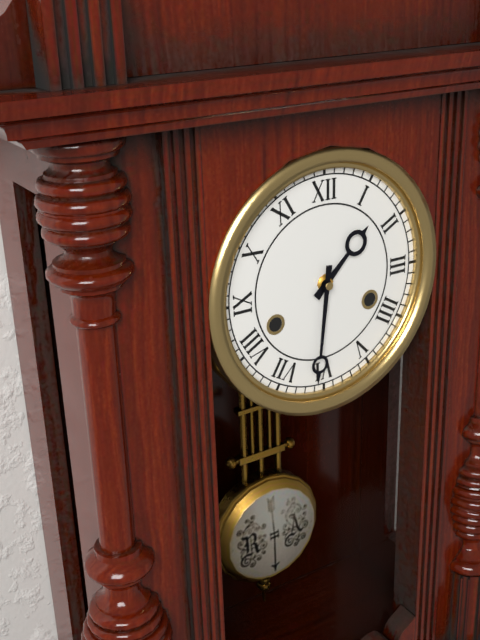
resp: 1h31
